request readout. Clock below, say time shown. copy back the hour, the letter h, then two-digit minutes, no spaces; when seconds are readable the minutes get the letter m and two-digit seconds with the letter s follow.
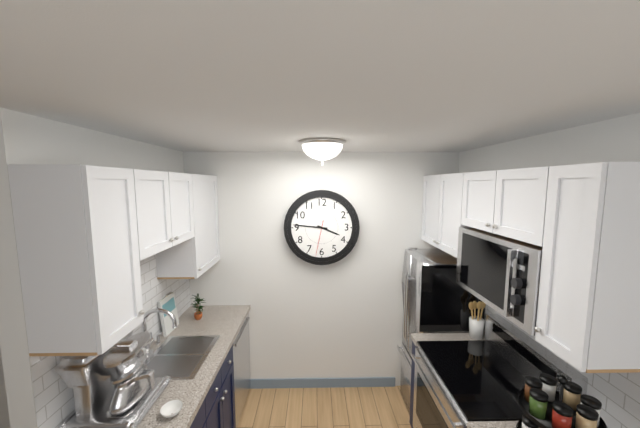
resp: 3h46
